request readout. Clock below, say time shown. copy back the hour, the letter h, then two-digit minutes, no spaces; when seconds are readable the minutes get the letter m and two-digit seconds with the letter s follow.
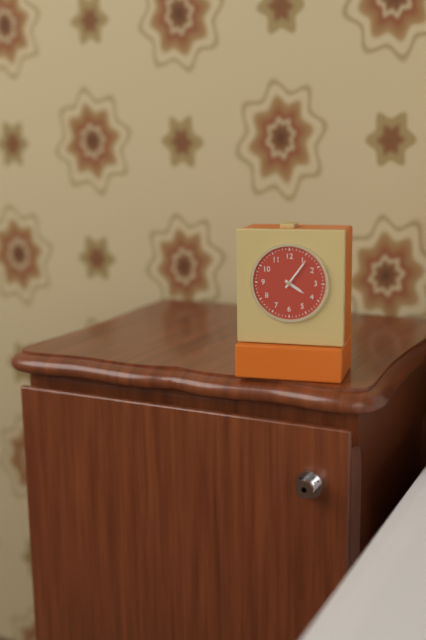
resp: 4h06
